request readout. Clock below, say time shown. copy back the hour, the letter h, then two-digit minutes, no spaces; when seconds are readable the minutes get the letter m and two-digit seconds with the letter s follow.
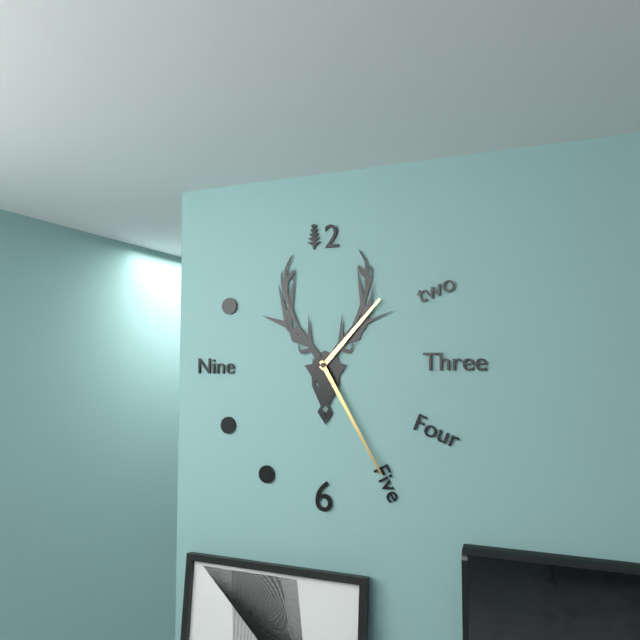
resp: 1h25
